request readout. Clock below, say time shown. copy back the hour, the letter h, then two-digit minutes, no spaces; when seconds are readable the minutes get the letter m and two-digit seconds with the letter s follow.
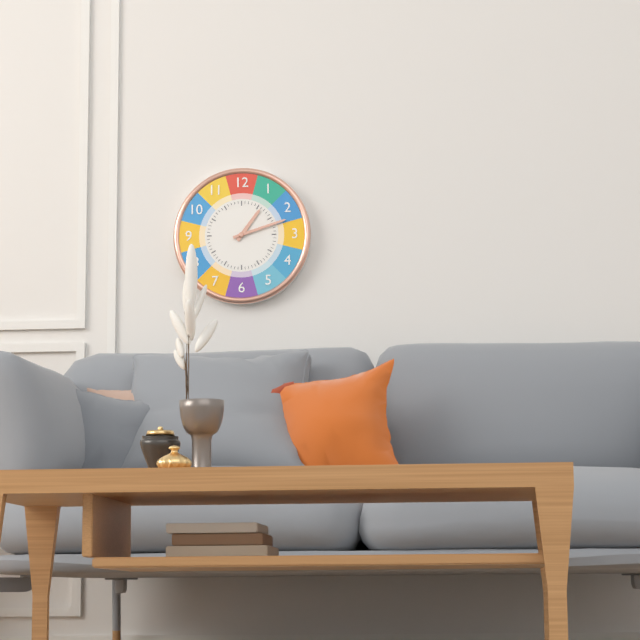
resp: 1h12
